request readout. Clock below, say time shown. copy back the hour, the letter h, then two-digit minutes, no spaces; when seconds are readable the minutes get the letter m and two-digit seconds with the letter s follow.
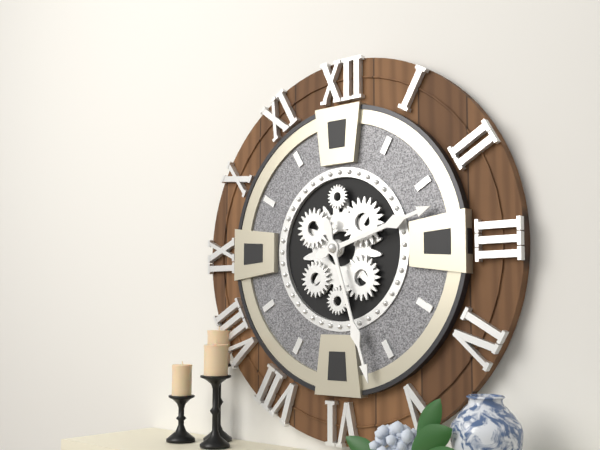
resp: 2h27
